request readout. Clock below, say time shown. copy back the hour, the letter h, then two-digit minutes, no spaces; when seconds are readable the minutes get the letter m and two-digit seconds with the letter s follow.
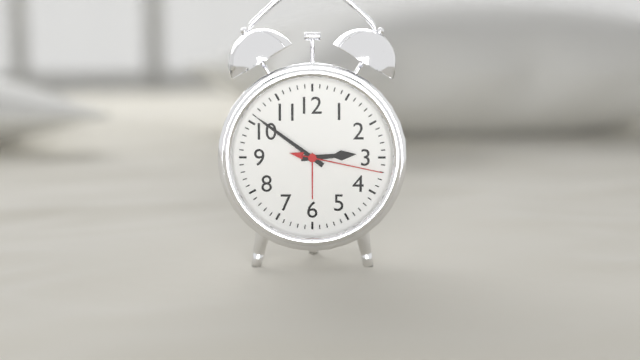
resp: 2h51m17s
